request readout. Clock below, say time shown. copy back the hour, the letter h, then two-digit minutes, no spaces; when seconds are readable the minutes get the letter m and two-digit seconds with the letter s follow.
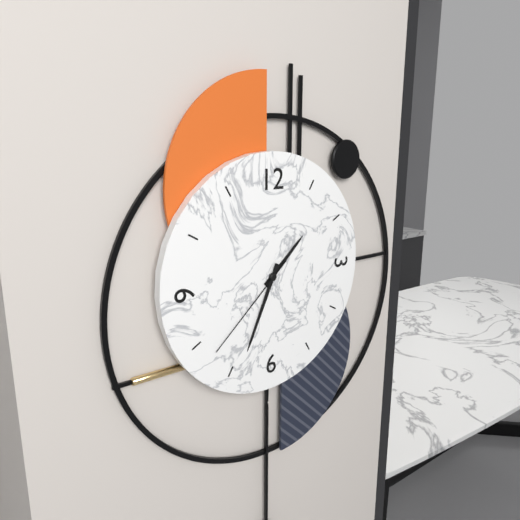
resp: 1h34m38s
